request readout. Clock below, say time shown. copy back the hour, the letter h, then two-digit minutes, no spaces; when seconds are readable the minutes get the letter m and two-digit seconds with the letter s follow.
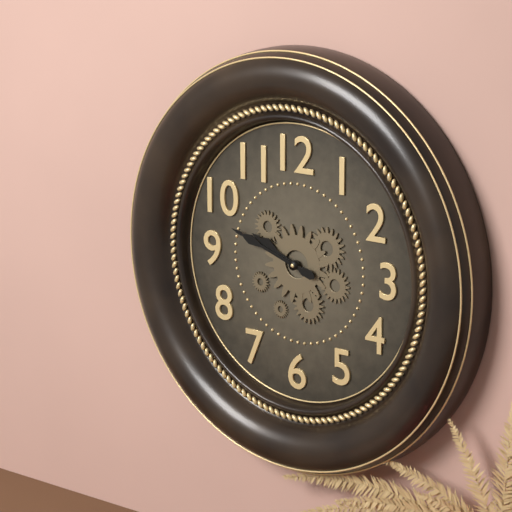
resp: 9h48
